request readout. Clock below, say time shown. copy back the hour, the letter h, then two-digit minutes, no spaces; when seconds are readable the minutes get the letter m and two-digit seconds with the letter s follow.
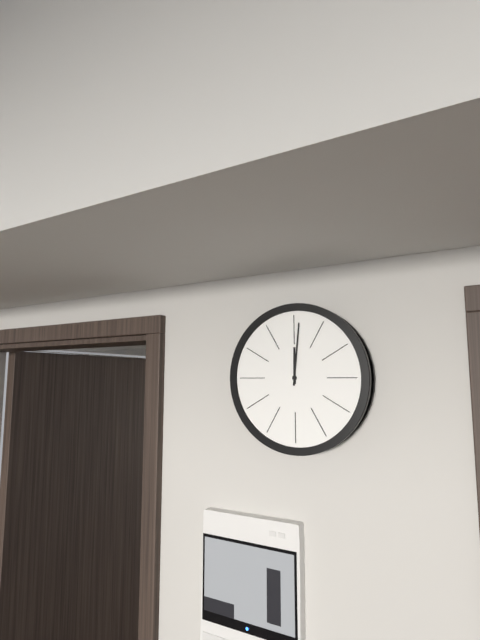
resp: 12h01
